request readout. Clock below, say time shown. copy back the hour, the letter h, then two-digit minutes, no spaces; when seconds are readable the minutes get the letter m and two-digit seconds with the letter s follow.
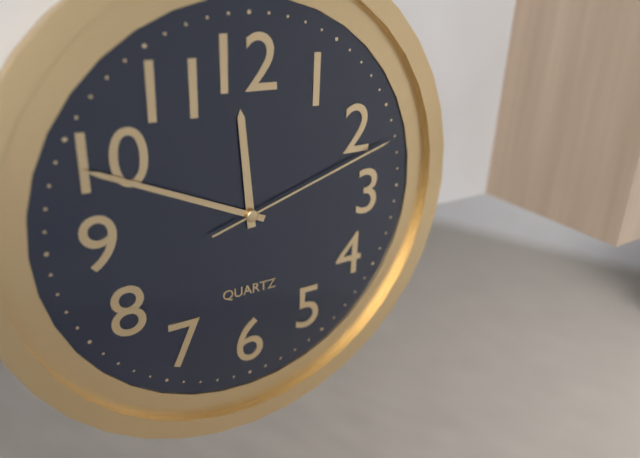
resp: 11h49m12s
